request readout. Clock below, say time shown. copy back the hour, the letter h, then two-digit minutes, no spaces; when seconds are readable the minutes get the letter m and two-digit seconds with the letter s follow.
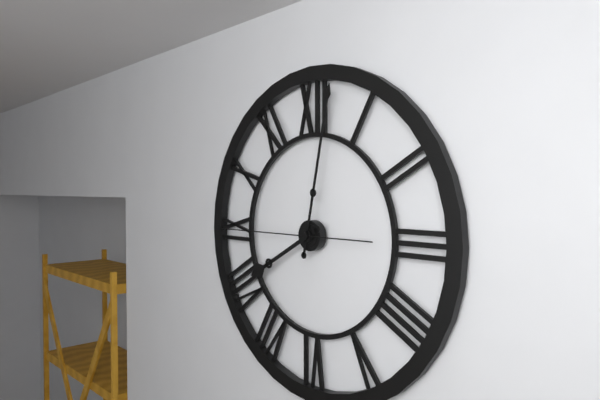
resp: 8h02m45s
